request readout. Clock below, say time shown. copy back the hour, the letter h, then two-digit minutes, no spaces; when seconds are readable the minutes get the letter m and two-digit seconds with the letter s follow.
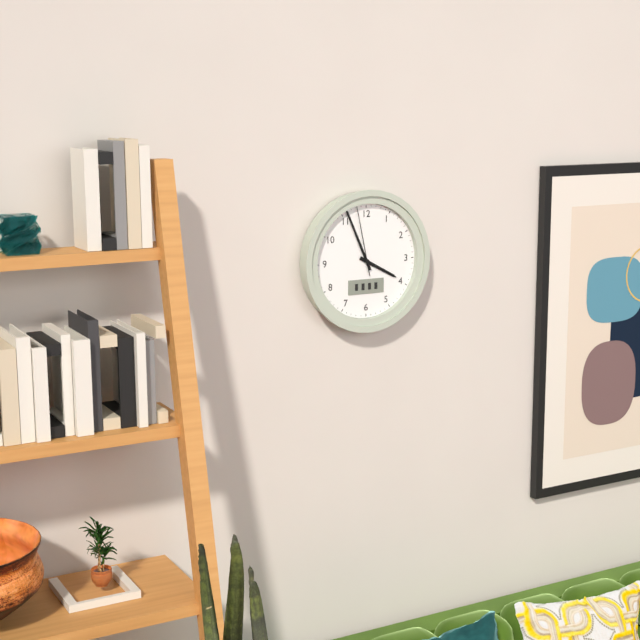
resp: 3h56m58s
